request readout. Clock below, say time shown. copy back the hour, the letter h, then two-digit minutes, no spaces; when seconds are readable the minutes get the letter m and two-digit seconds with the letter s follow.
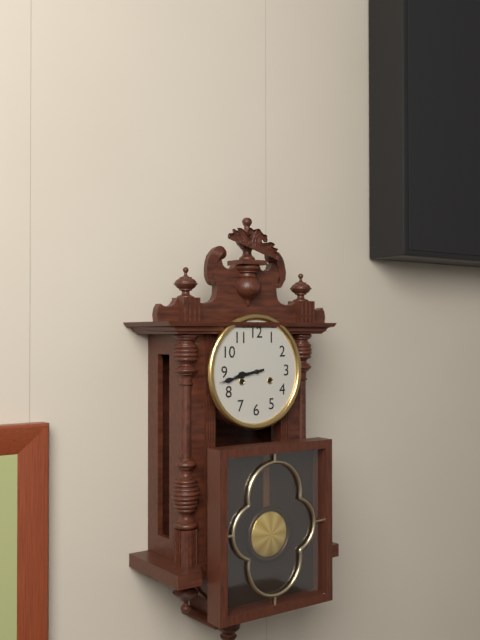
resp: 8h43
